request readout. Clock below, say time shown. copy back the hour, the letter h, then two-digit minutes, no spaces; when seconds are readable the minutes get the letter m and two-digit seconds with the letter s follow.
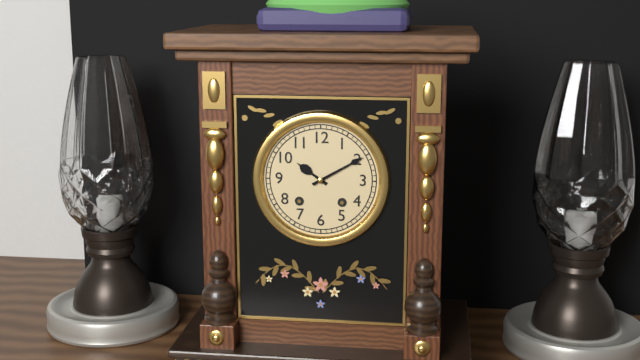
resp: 10h10
